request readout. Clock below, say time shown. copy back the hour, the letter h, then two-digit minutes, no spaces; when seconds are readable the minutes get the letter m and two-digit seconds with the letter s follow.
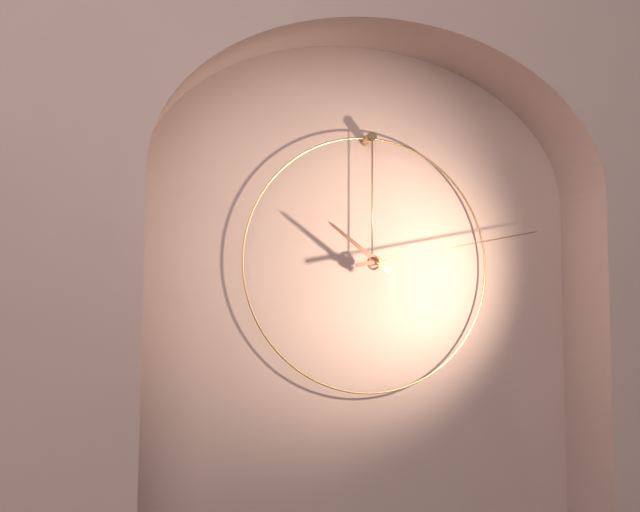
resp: 10h13
